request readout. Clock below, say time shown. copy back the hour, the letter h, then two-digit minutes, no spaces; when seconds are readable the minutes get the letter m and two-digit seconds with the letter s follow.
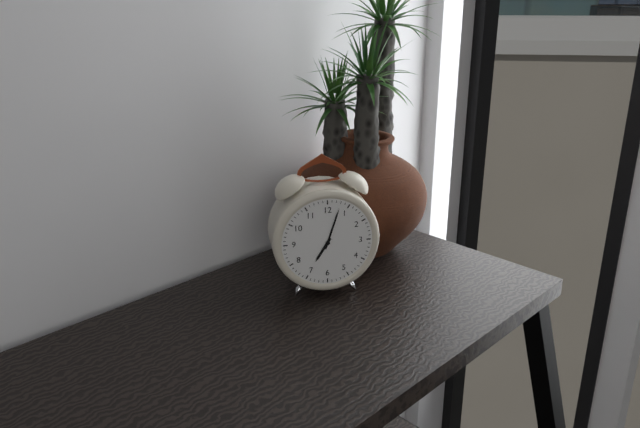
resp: 7h03
